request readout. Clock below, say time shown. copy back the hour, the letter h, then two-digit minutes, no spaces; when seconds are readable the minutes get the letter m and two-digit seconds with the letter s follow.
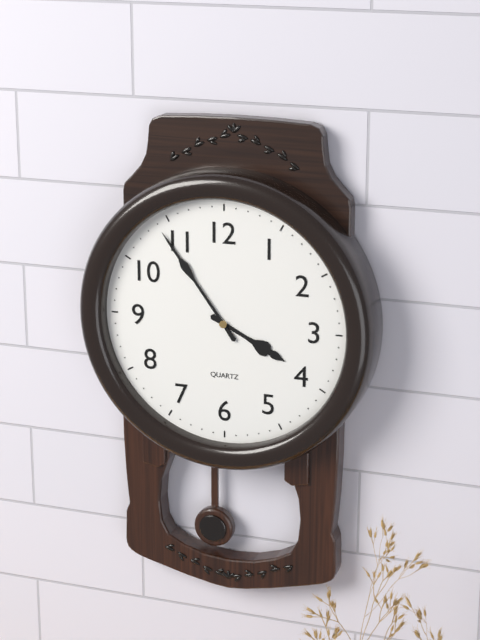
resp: 3h54
